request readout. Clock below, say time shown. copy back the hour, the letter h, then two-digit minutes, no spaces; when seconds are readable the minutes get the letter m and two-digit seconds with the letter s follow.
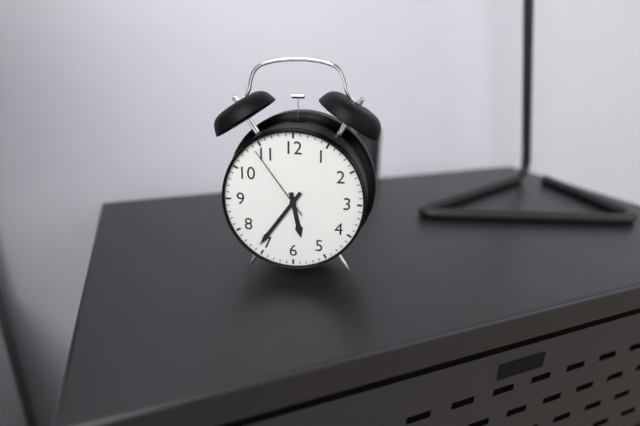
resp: 5h36m54s
